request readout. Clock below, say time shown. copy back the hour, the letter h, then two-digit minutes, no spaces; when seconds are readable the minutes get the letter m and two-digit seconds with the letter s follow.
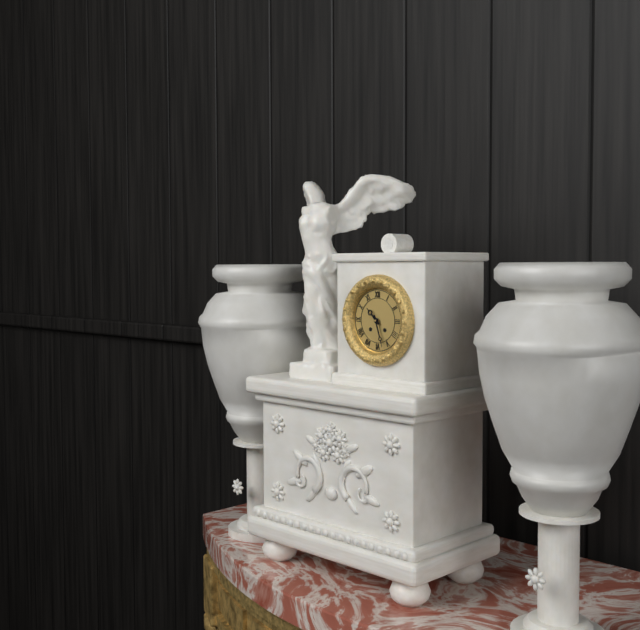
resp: 10h27
